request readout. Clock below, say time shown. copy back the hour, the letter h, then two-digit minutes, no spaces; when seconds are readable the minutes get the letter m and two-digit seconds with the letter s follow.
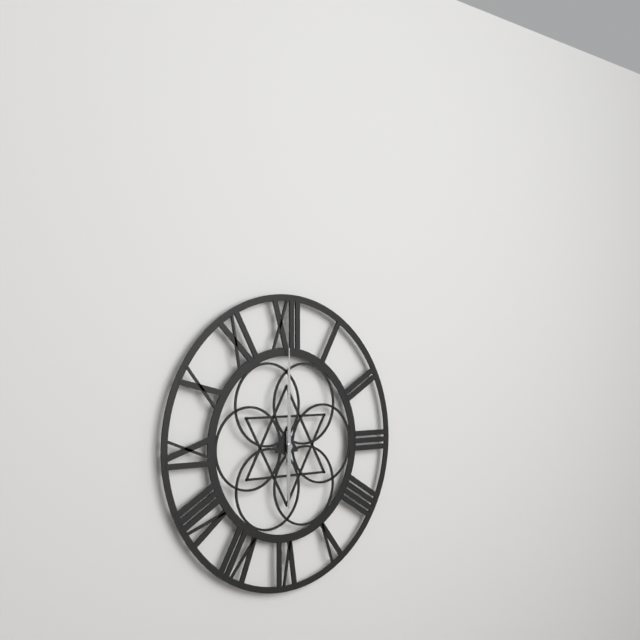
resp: 6h00
